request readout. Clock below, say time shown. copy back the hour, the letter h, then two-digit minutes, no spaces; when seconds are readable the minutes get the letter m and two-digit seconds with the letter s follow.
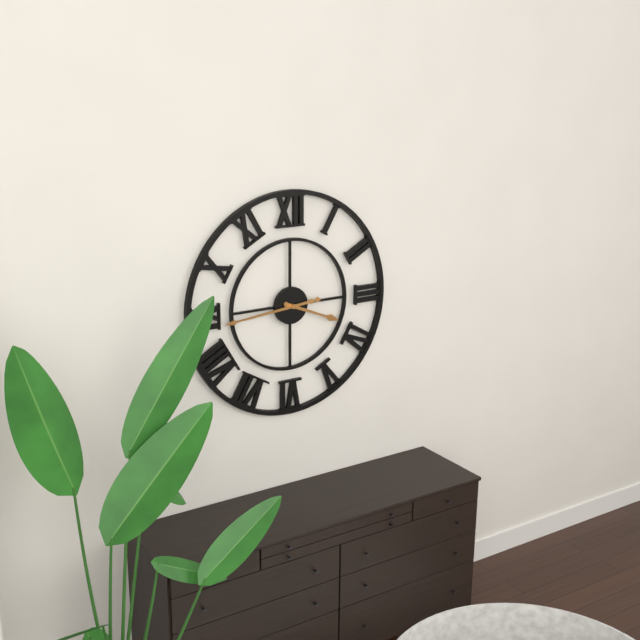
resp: 3h44
